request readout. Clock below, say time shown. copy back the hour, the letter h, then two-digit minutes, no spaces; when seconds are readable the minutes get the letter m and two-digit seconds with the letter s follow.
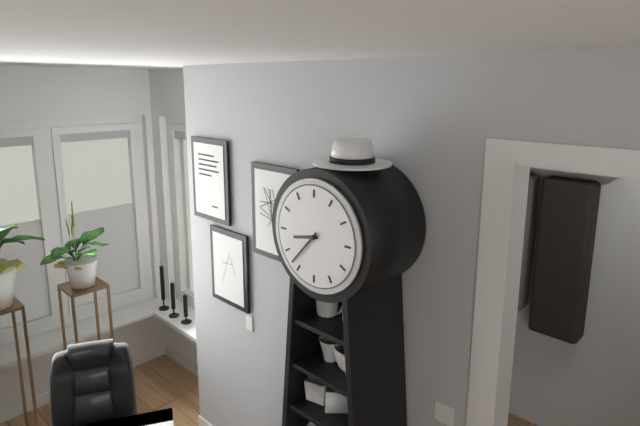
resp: 8h37
